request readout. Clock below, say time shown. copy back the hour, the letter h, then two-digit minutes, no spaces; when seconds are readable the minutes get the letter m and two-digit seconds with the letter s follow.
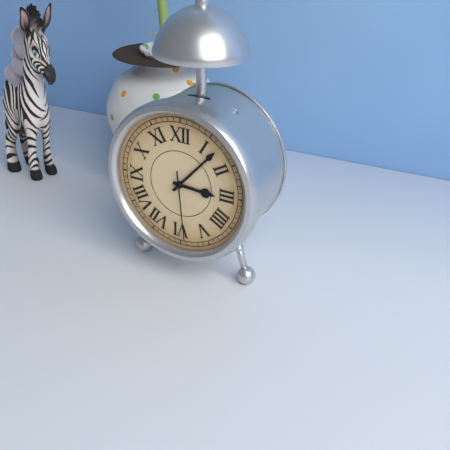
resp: 3h07m29s
